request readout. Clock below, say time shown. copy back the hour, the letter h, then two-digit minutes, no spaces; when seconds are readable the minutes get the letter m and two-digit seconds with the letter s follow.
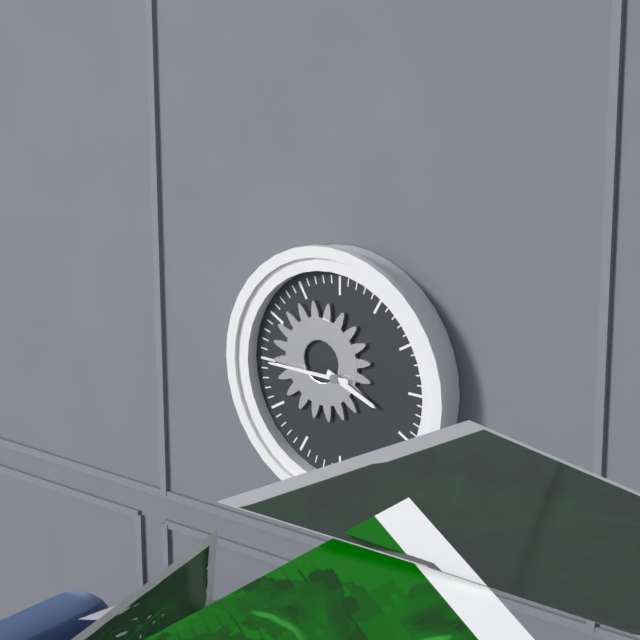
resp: 3h45
